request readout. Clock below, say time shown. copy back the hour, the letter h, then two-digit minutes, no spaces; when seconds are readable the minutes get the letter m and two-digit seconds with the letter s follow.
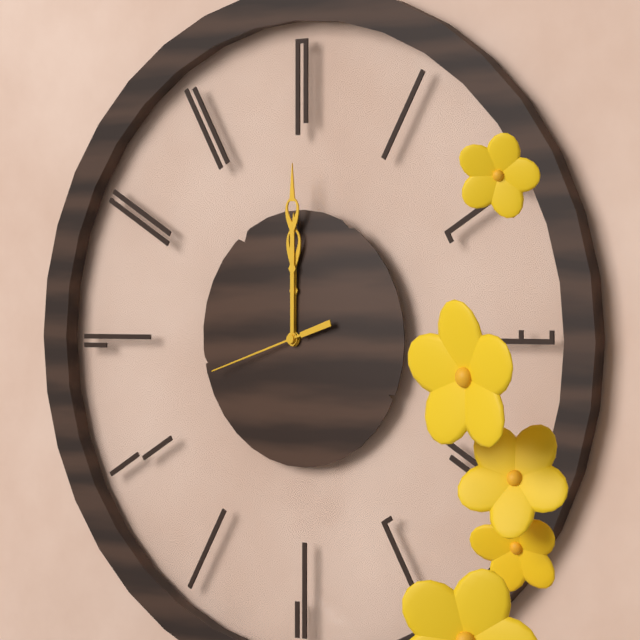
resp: 12h00m42s
